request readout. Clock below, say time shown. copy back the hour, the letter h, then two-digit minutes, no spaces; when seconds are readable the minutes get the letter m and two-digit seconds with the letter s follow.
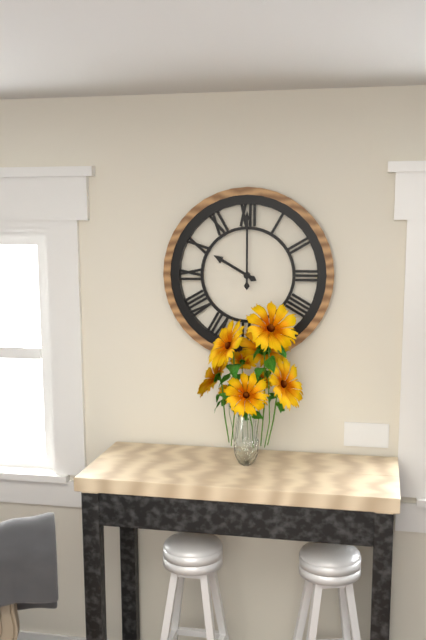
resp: 10h00
